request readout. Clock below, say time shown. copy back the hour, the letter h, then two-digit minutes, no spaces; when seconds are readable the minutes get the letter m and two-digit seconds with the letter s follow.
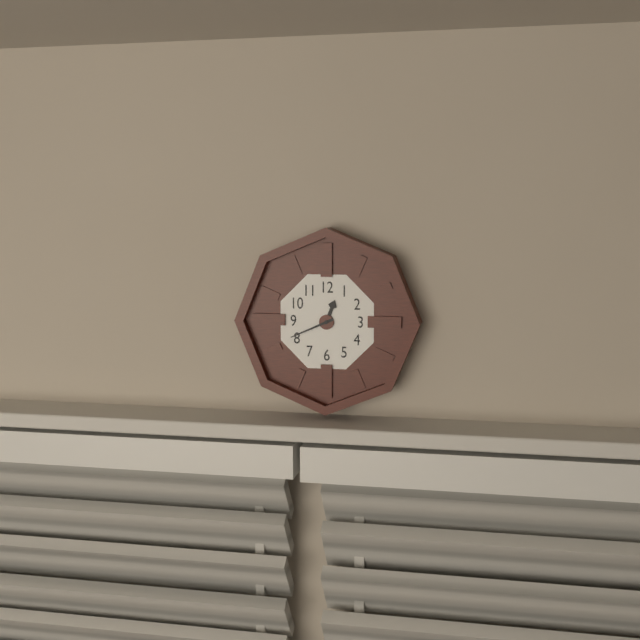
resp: 12h41
